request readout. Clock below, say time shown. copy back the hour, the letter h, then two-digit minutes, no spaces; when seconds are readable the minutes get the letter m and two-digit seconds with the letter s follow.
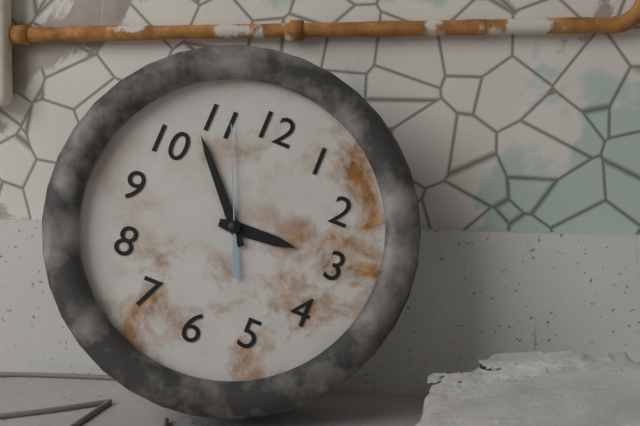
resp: 2h53m56s
